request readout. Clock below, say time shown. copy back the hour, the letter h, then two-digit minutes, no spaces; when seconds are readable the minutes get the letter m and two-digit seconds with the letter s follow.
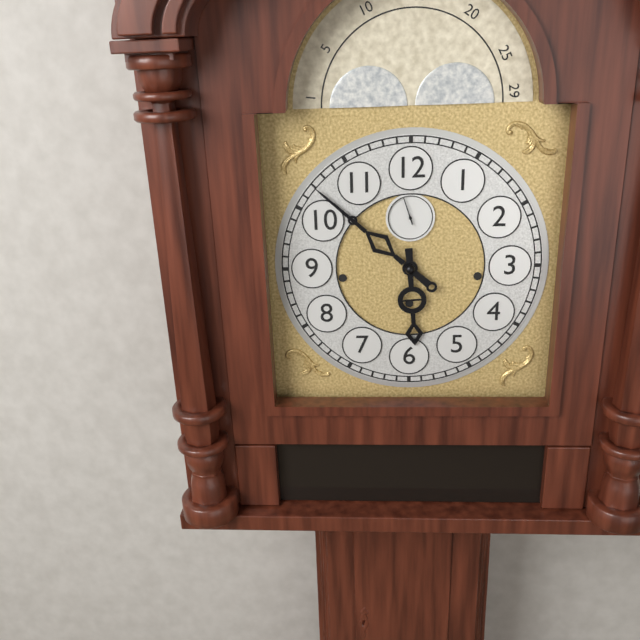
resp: 5h52
